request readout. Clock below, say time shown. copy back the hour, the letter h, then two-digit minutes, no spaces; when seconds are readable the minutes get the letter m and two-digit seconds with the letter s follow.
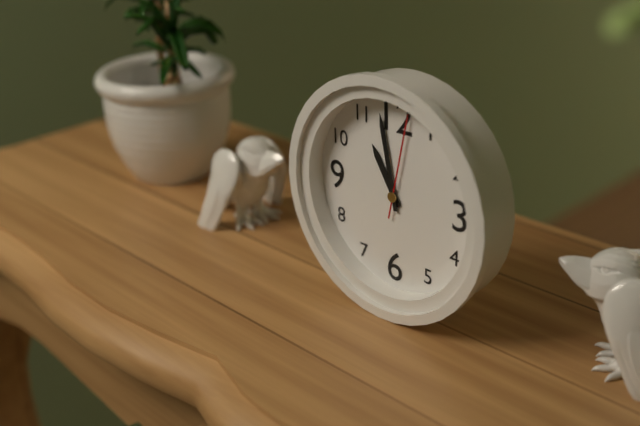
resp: 10h58m02s
